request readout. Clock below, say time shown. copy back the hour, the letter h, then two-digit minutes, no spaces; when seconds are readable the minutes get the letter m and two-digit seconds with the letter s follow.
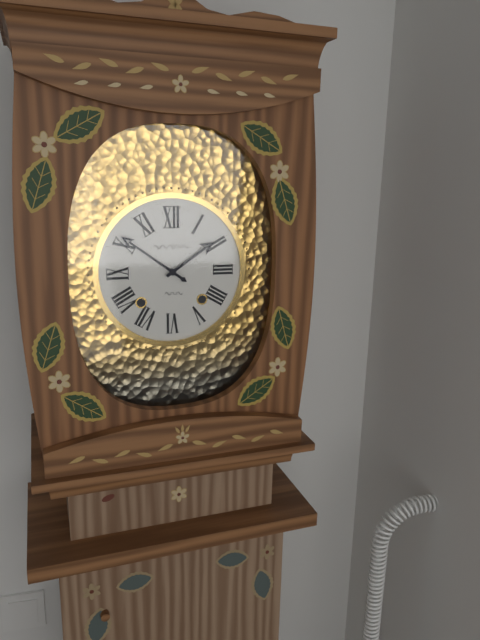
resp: 1h51
